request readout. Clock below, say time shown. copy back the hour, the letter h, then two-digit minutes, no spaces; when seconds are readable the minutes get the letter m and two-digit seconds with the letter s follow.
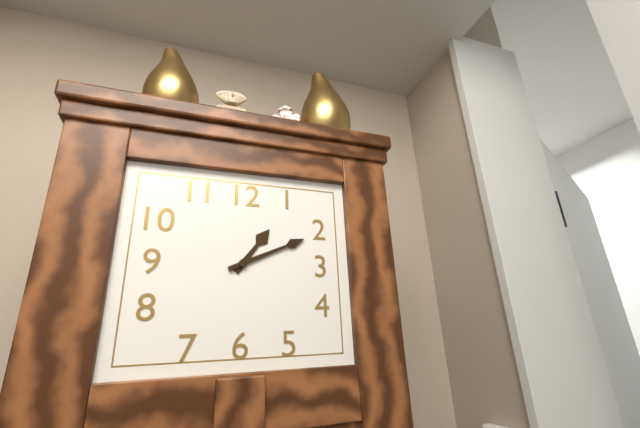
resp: 1h11
